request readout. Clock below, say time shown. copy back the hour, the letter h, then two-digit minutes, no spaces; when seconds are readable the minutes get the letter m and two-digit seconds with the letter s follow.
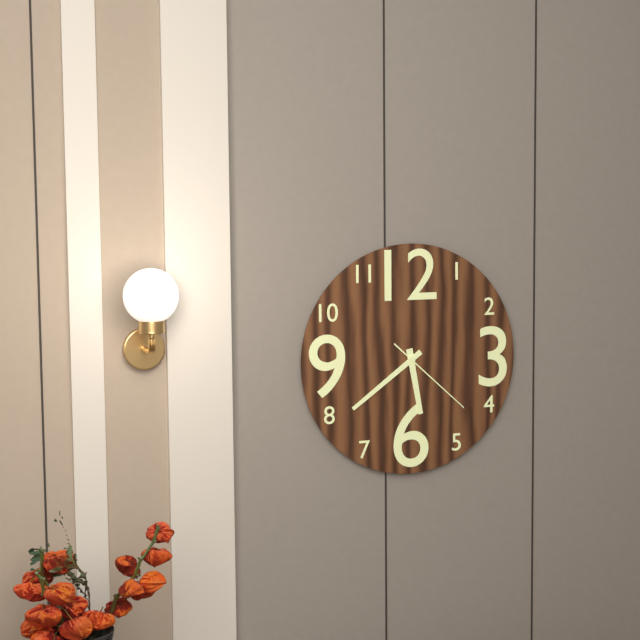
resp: 5h39m22s
